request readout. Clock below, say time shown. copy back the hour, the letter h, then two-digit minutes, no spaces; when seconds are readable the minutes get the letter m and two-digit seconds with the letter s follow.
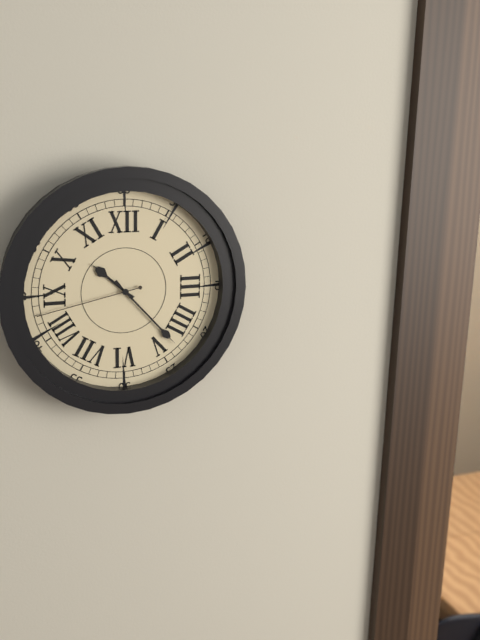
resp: 10h23m43s
